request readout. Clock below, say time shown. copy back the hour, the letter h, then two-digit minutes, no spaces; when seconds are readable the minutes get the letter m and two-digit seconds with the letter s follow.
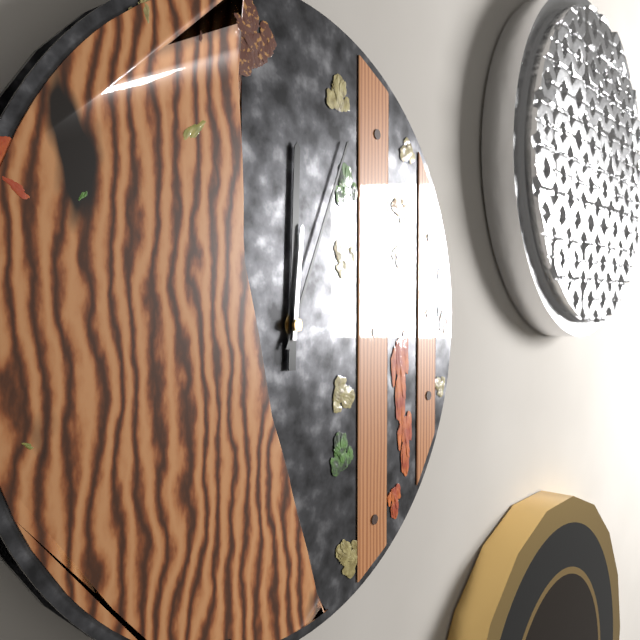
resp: 12h04m01s
